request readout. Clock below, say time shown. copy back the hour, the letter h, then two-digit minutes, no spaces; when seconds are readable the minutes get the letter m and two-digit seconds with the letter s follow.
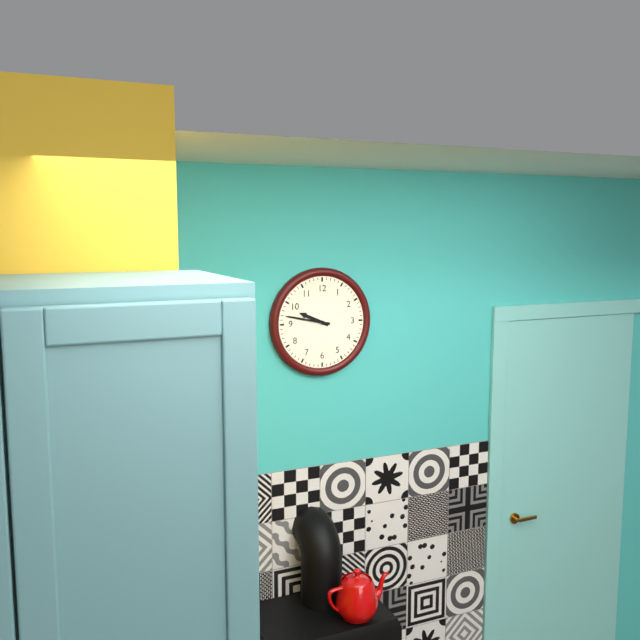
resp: 9h47
